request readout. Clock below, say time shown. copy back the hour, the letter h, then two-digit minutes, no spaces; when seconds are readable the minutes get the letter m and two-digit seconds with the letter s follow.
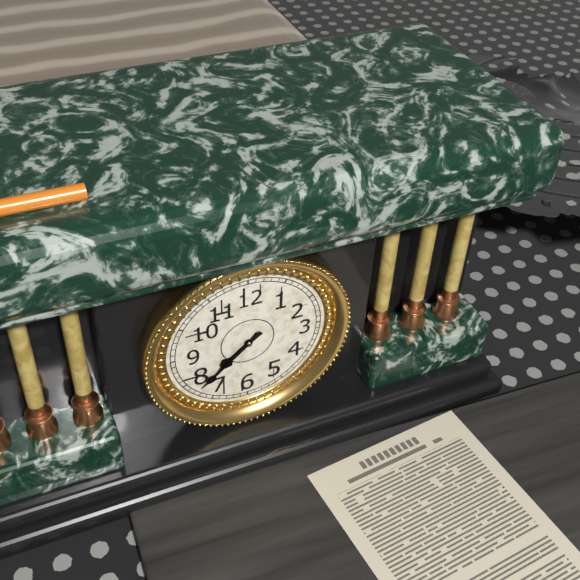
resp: 7h38
